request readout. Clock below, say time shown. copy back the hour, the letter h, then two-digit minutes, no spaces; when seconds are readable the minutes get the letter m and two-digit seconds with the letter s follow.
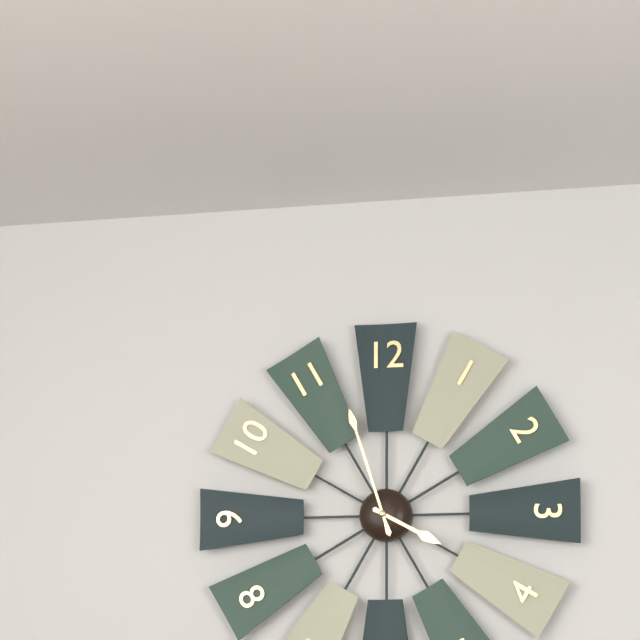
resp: 3h57
